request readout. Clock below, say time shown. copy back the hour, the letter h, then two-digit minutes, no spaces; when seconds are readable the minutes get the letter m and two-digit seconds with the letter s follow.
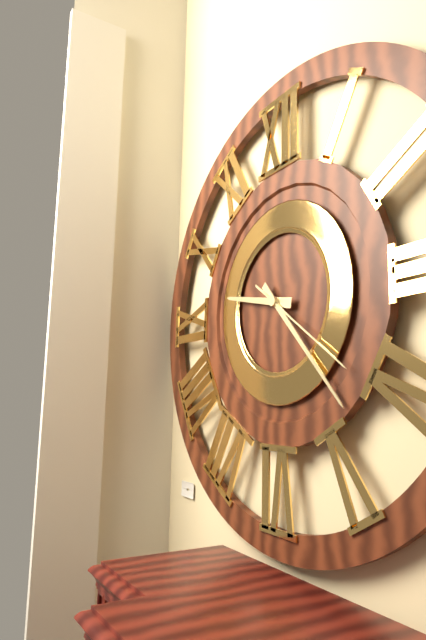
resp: 9h23m21s
